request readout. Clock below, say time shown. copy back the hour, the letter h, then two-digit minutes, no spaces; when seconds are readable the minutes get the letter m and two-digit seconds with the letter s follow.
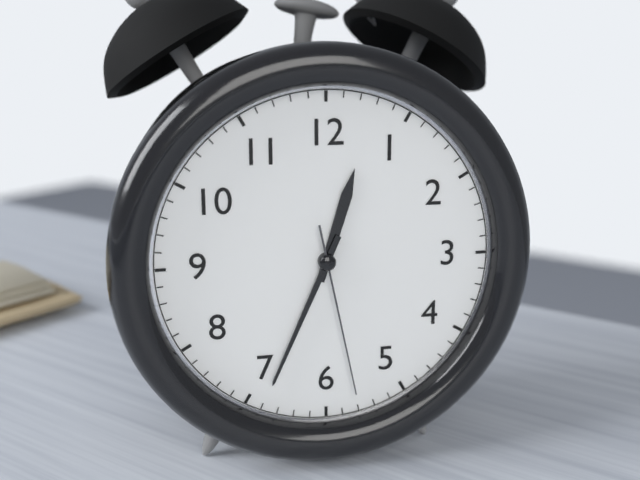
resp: 12h34m28s
